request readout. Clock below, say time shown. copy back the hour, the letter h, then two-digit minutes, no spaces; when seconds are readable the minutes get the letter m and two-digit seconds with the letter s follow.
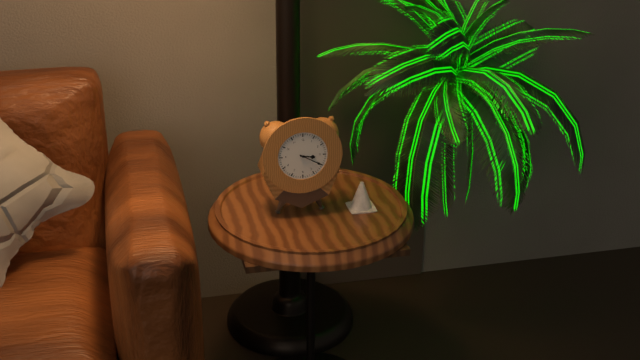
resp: 3h20
